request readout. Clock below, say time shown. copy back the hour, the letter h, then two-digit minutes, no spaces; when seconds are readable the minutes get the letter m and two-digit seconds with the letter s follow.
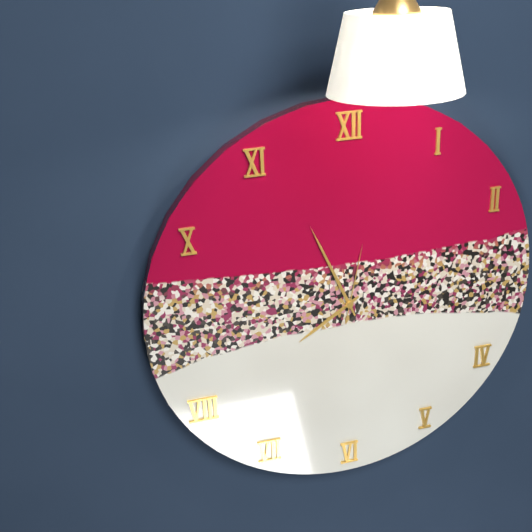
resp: 7h56m02s
